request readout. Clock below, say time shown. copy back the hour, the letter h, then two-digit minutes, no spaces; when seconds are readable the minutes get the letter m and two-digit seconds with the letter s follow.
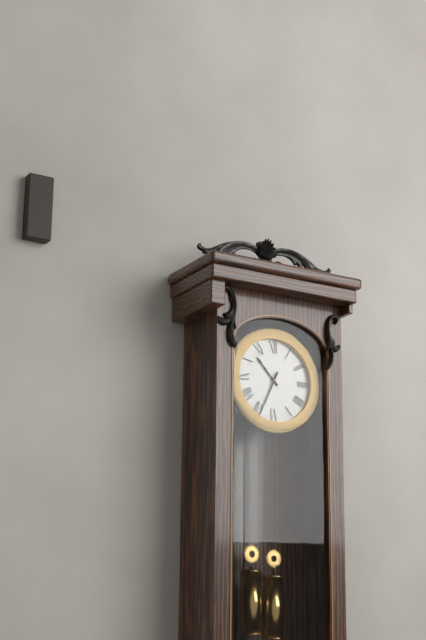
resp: 10h34
